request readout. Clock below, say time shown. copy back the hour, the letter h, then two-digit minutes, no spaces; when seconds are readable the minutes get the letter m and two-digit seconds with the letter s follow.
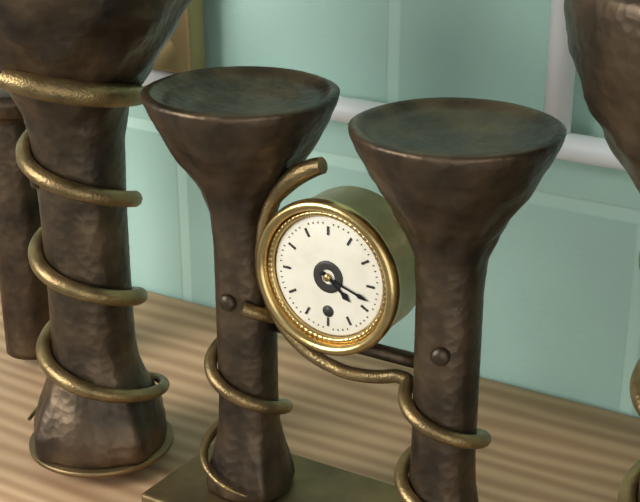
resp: 4h18
